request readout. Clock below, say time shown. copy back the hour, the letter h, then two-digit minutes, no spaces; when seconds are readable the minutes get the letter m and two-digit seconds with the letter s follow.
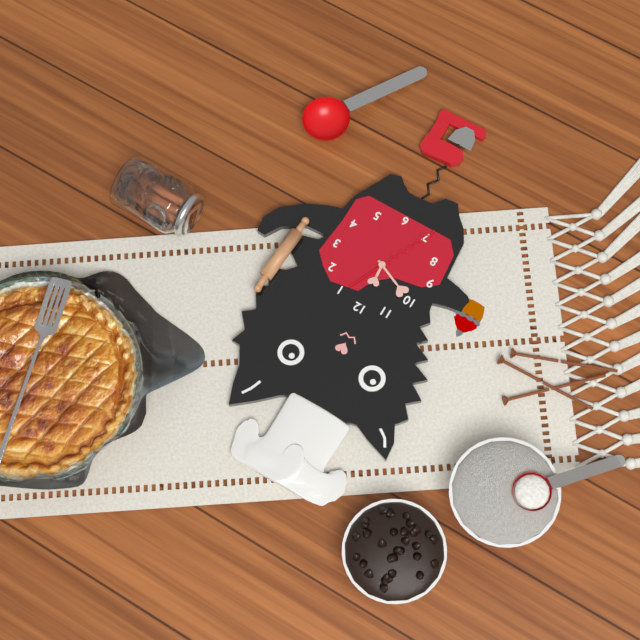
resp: 11h49m34s
